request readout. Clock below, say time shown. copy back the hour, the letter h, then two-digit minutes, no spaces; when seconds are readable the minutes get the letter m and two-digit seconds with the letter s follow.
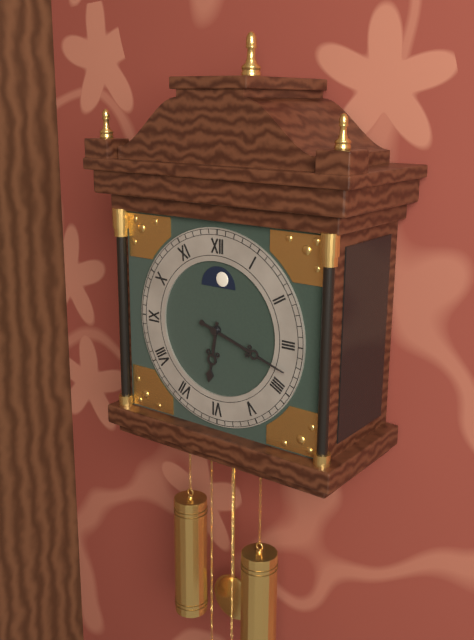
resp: 6h18
